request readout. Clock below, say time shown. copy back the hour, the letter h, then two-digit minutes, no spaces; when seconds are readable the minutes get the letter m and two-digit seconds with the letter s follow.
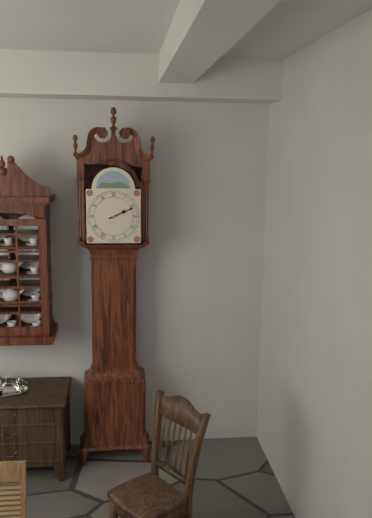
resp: 2h11
